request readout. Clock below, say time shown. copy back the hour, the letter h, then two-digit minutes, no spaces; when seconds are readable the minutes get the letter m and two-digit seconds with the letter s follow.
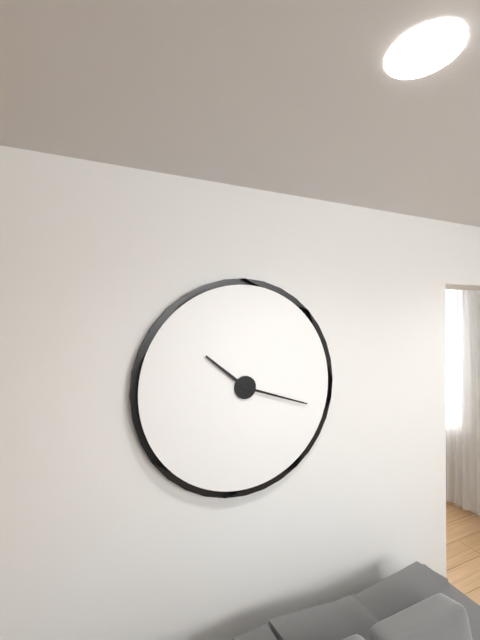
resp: 10h18
